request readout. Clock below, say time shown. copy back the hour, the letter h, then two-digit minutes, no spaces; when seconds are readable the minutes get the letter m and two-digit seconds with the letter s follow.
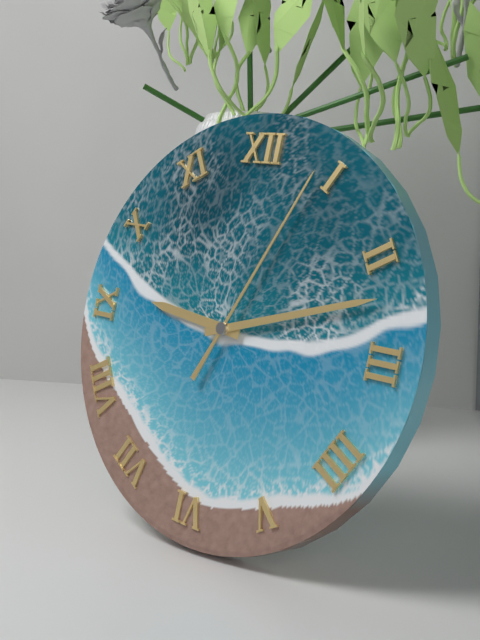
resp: 9h12m04s
